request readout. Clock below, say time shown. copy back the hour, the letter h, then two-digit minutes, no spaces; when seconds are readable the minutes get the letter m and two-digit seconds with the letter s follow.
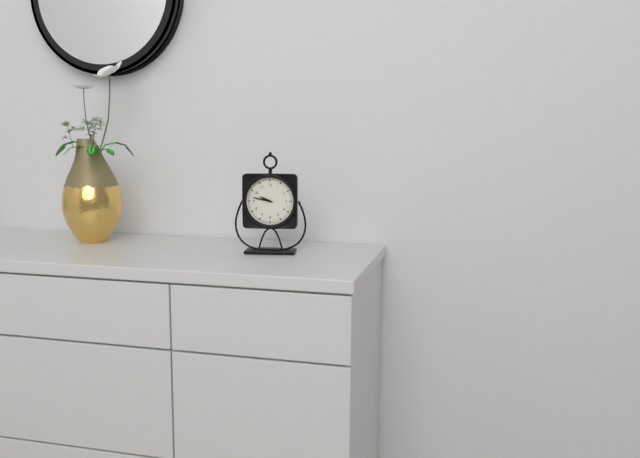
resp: 9h47
